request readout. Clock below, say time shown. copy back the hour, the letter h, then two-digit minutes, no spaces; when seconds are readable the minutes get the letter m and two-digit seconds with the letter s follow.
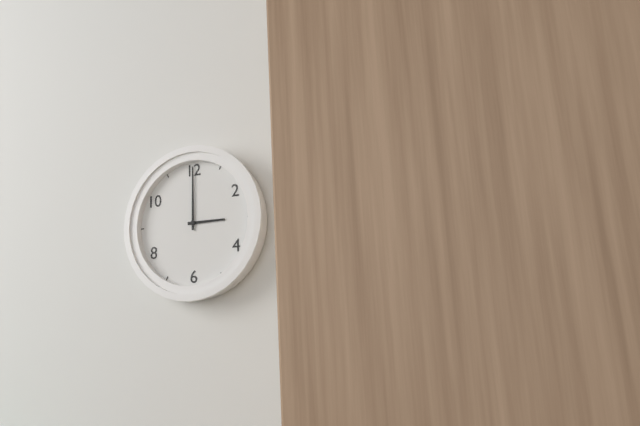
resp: 3h00
